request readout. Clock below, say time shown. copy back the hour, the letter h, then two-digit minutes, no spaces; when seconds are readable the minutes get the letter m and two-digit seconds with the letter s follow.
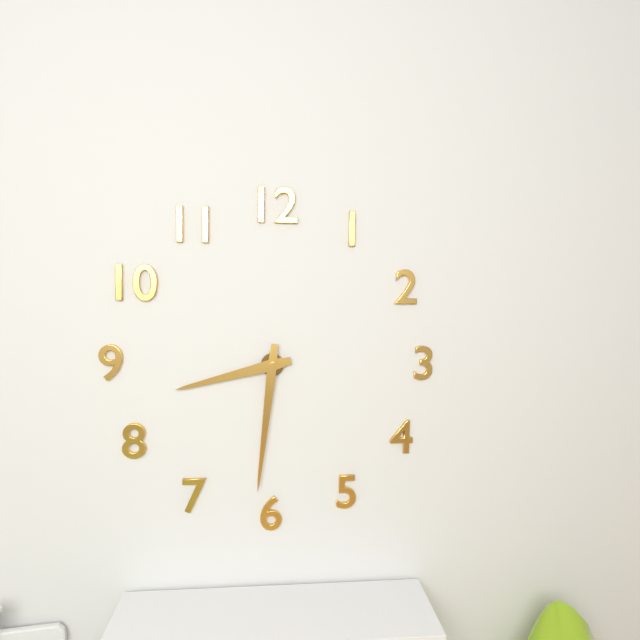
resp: 8h31
